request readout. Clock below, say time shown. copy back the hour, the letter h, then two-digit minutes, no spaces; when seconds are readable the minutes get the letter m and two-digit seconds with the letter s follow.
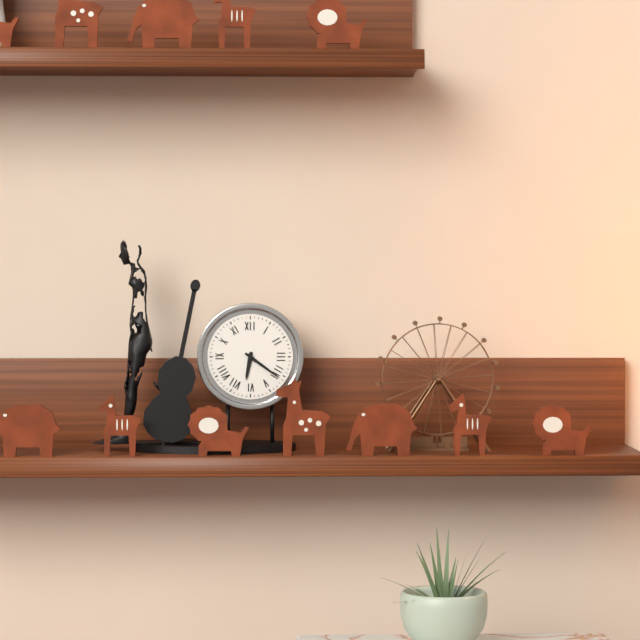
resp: 6h21
